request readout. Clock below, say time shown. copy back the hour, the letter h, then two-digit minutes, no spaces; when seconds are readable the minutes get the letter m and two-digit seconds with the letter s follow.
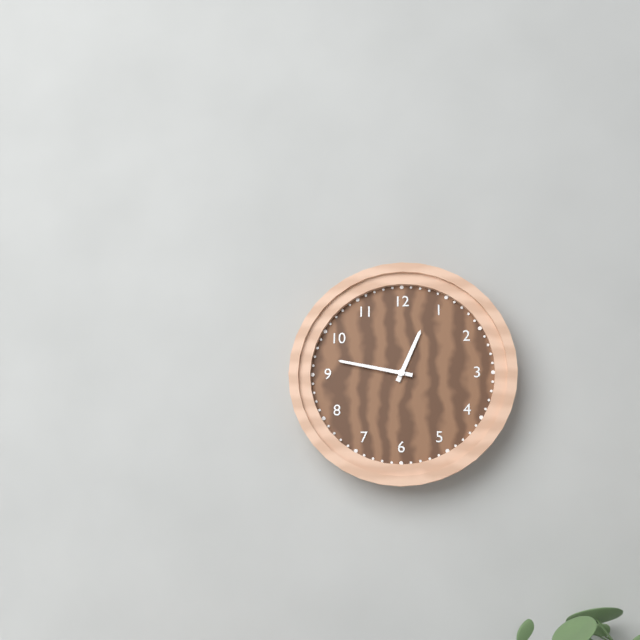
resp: 12h47
